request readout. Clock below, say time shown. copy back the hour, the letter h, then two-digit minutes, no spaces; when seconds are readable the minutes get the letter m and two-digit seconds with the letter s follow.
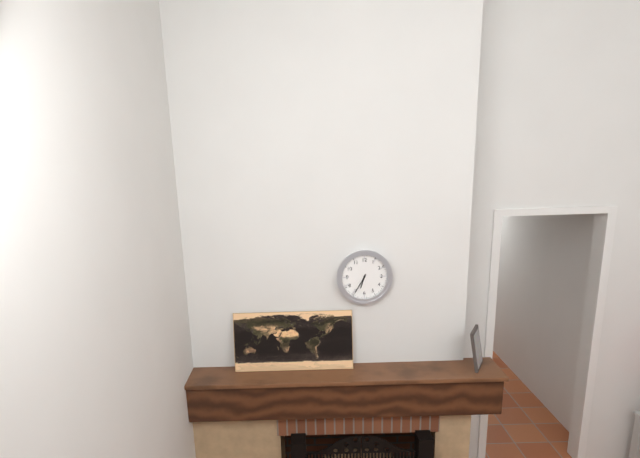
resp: 6h35
